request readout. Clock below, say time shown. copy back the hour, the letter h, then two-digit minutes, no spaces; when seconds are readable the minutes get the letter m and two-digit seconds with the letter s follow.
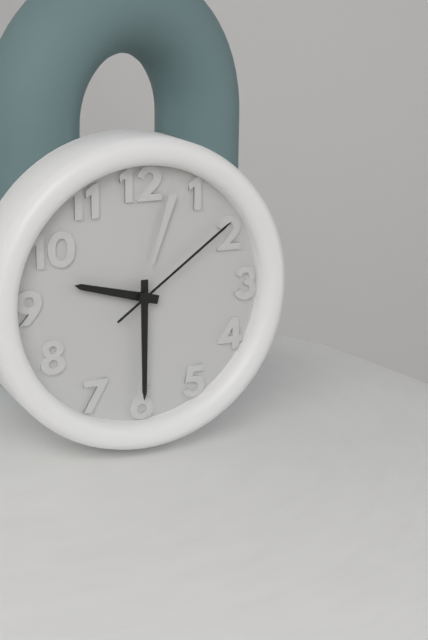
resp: 9h30m09s
